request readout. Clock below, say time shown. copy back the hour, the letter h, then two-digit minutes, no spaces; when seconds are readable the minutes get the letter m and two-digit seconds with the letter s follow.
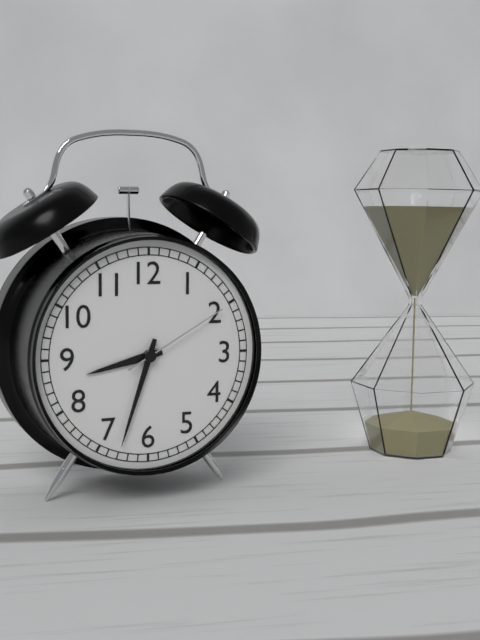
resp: 8h33m10s
